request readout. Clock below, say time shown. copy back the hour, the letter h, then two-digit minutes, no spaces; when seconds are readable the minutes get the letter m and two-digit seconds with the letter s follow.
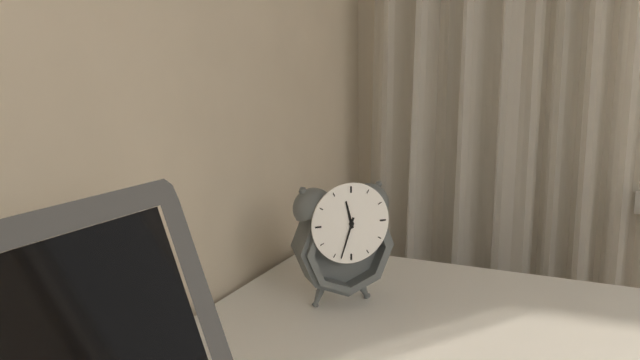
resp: 11h33
